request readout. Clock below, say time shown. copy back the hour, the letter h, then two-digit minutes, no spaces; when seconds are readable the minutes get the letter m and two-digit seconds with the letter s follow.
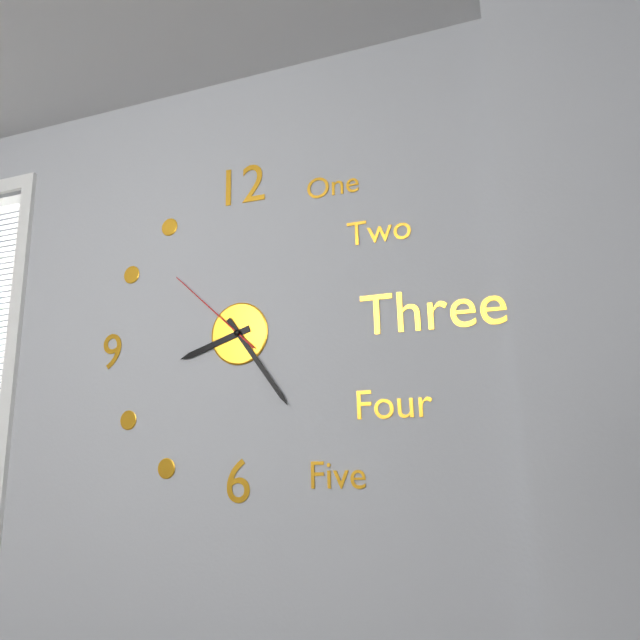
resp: 8h24m52s
